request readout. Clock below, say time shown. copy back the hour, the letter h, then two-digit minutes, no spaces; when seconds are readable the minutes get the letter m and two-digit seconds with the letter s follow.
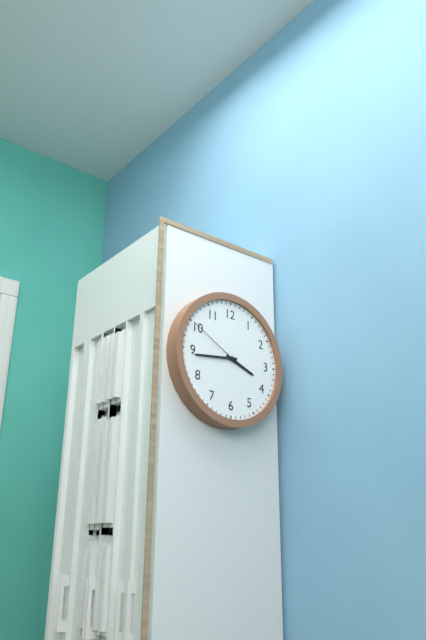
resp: 3h44m50s
